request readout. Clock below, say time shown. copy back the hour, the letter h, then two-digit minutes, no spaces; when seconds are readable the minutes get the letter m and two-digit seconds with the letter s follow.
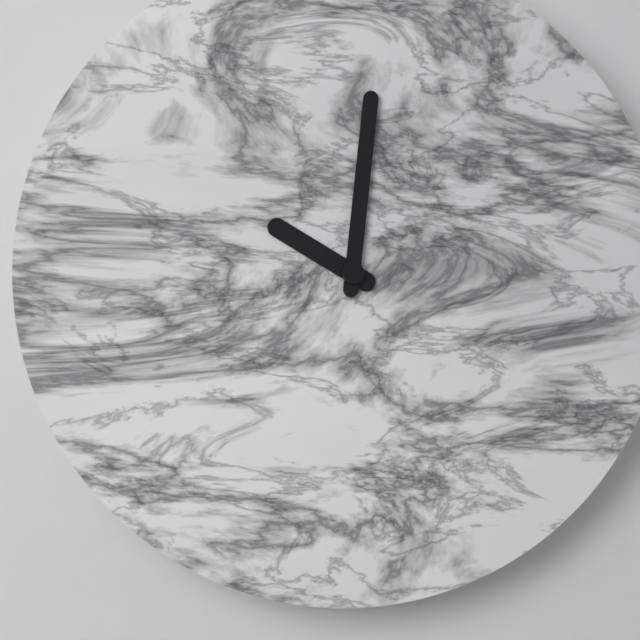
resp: 10h01
